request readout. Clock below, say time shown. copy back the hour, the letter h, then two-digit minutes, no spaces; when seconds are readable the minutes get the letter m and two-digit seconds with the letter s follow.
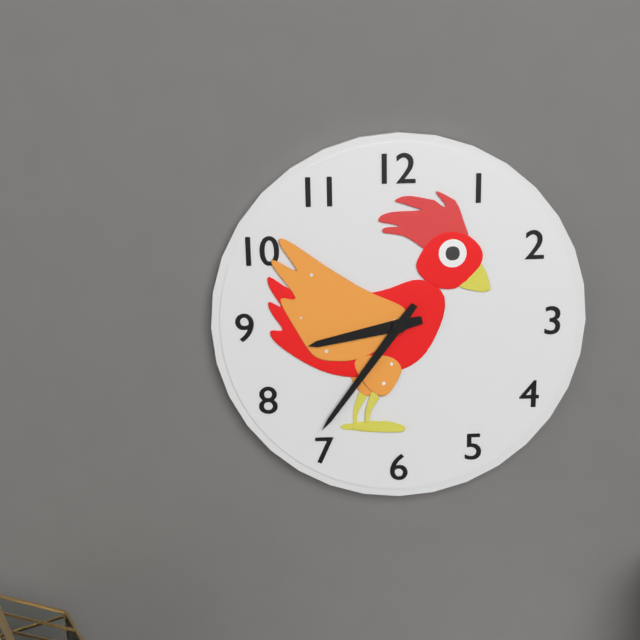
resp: 8h36
